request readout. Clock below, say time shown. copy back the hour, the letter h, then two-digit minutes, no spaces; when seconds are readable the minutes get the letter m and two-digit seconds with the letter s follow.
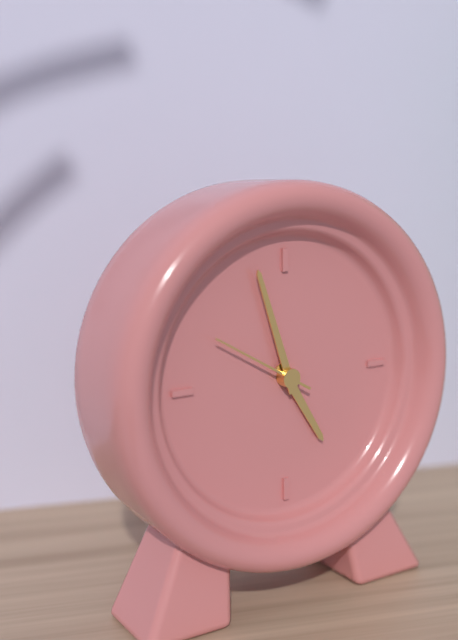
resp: 4h57m50s
